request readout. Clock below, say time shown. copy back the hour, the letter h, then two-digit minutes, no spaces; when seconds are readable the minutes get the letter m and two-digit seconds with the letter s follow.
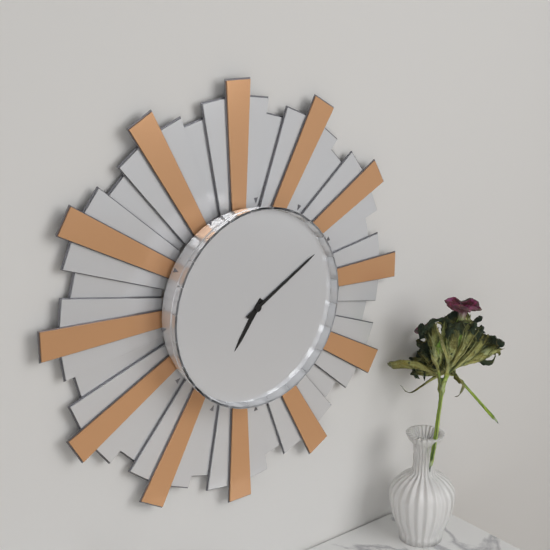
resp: 7h10
